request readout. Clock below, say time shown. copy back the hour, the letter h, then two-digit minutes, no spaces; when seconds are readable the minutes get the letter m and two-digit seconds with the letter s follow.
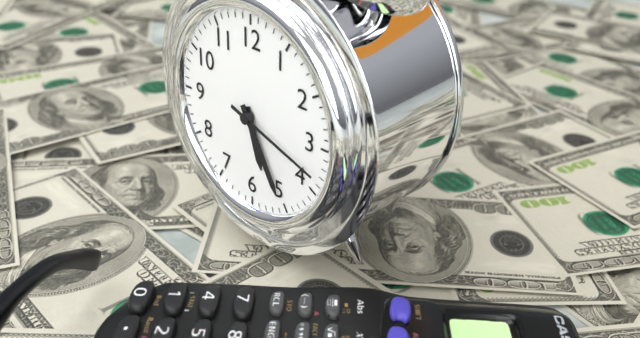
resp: 5h25m18s
